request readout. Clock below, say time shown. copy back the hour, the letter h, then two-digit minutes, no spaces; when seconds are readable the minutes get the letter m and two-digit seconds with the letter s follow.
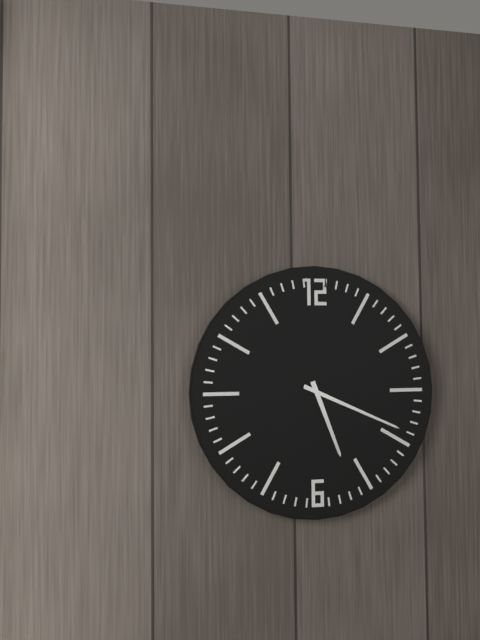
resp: 5h19
